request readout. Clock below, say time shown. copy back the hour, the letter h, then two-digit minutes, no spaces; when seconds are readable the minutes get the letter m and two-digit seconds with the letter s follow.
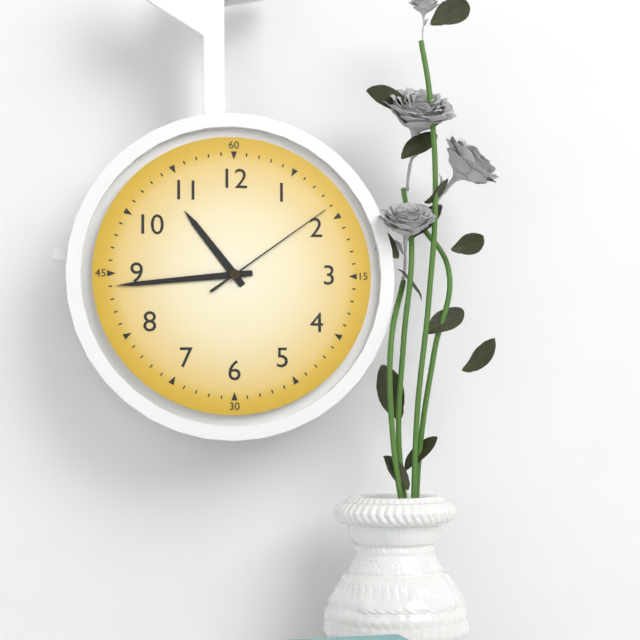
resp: 10h44m09s
